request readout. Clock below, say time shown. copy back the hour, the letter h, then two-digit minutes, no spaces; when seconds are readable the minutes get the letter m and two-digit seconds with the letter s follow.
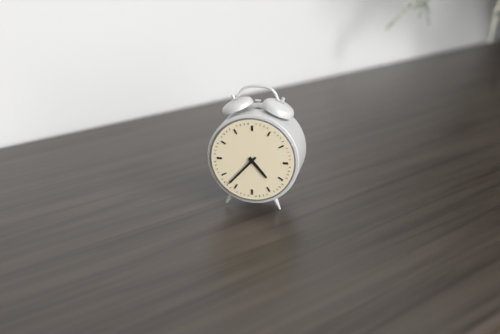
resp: 4h37
